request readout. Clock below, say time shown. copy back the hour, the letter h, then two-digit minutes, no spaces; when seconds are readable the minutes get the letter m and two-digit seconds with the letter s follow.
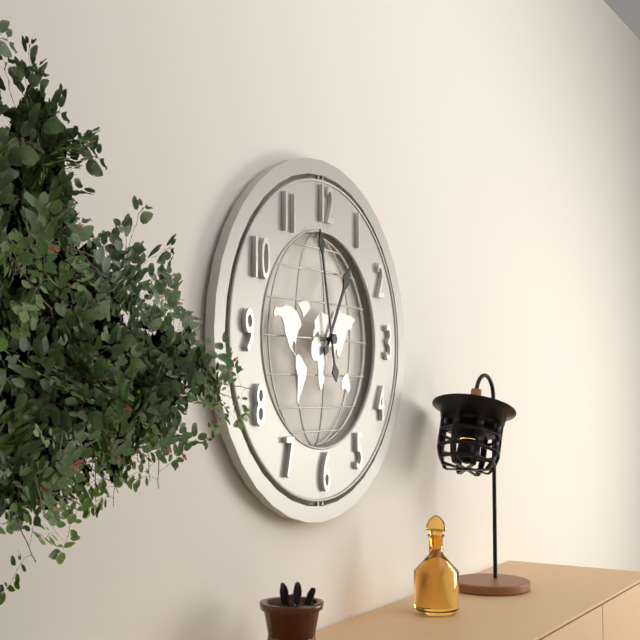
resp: 12h58
